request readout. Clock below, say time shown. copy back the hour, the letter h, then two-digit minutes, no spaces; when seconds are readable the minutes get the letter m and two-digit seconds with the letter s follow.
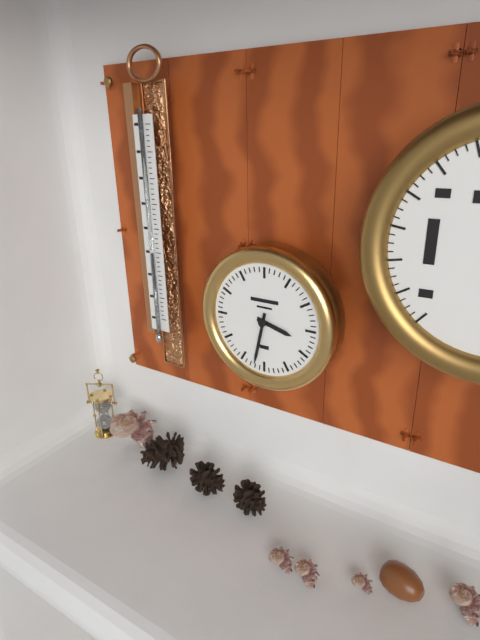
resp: 3h32
